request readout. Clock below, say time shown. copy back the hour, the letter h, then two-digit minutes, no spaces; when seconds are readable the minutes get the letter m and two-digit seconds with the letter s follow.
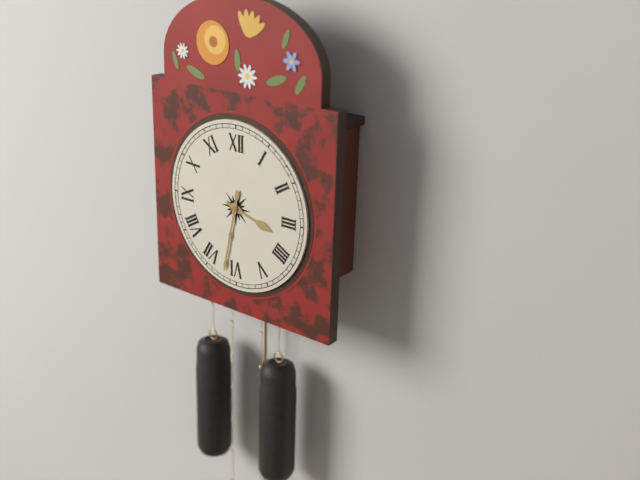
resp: 3h32
